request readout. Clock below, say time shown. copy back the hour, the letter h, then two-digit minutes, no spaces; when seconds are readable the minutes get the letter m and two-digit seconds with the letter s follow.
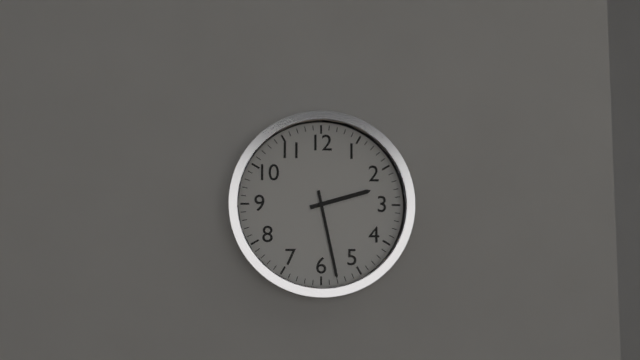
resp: 2h28
